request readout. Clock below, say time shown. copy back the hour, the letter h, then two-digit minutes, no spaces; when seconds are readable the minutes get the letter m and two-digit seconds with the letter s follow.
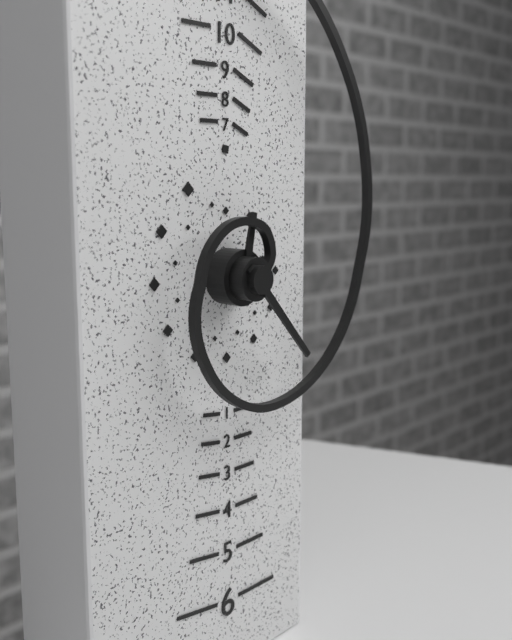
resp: 12h23
